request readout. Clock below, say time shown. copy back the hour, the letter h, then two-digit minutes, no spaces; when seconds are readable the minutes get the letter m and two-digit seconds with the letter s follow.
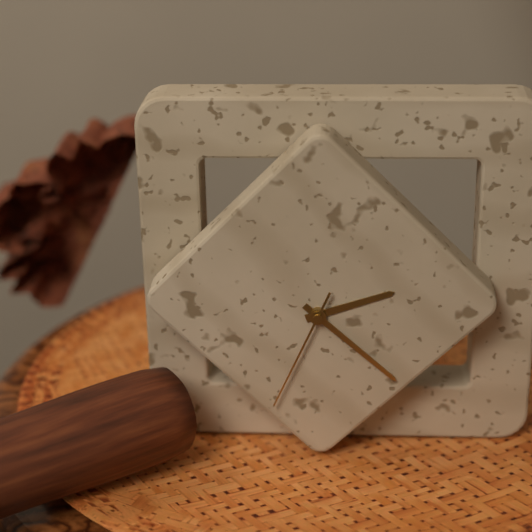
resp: 2h22m34s
